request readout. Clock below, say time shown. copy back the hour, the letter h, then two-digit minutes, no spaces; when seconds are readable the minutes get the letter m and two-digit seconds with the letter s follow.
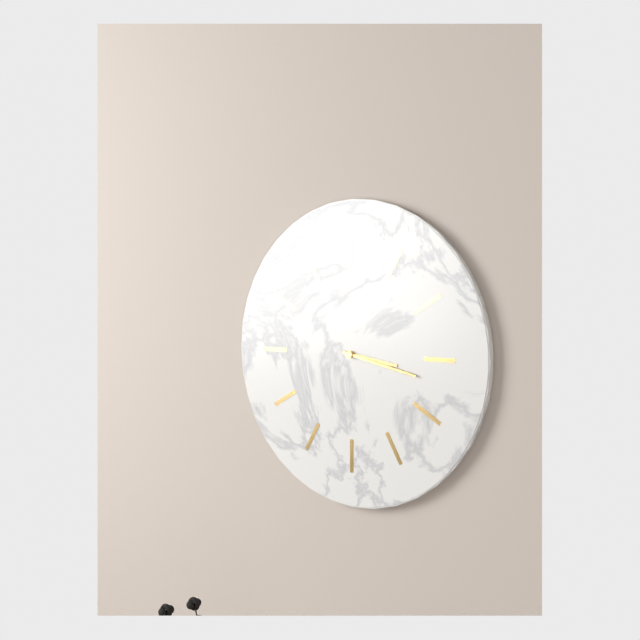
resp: 3h17
